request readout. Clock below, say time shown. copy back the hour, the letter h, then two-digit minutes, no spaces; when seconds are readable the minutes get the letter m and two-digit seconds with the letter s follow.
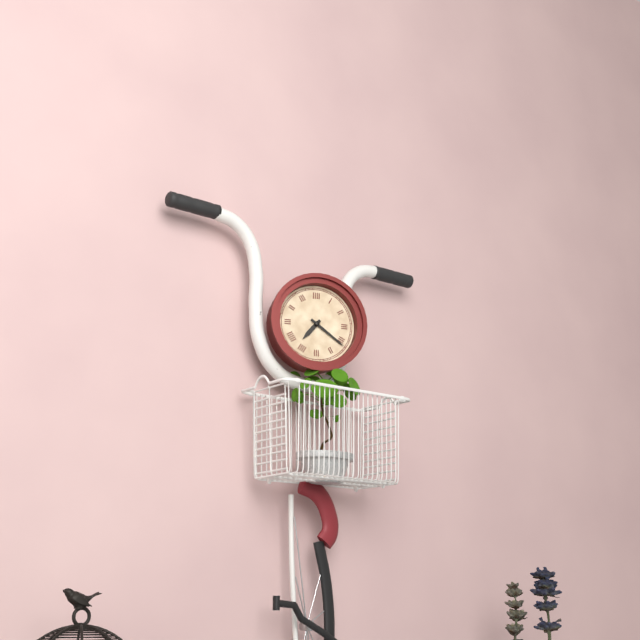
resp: 7h21
